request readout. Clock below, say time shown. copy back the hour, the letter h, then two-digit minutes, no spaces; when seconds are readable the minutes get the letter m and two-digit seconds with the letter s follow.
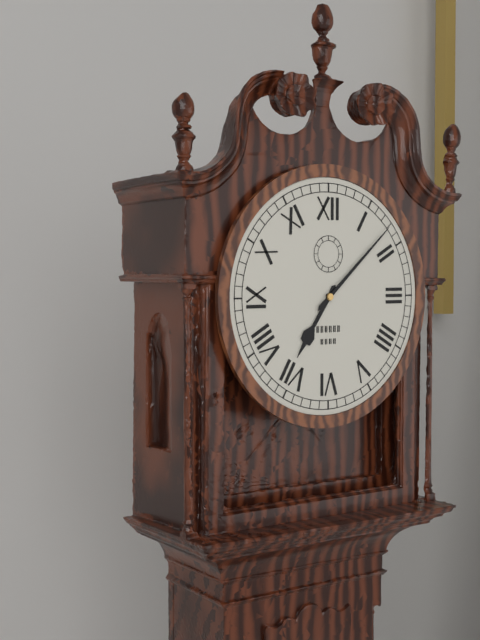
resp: 7h08
